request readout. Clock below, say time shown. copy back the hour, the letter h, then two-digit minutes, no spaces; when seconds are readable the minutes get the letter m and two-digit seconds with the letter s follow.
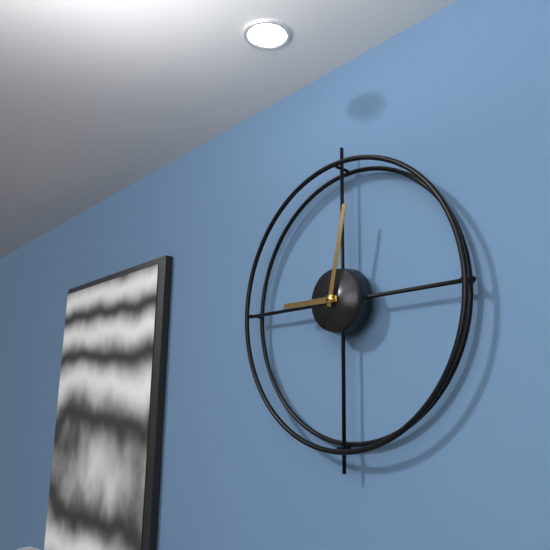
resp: 9h02
